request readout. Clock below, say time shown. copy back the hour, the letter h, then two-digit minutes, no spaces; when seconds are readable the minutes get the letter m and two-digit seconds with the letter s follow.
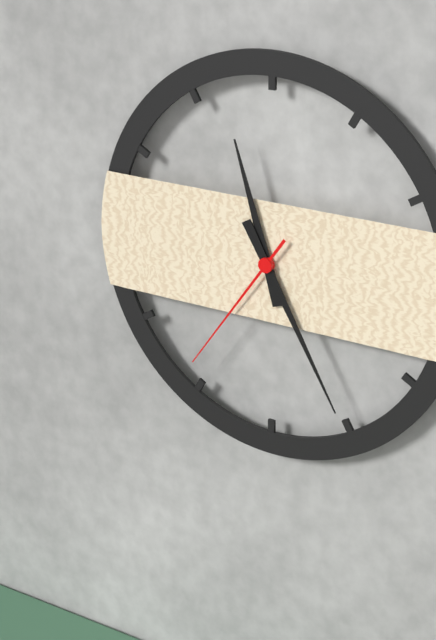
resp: 11h25m36s
